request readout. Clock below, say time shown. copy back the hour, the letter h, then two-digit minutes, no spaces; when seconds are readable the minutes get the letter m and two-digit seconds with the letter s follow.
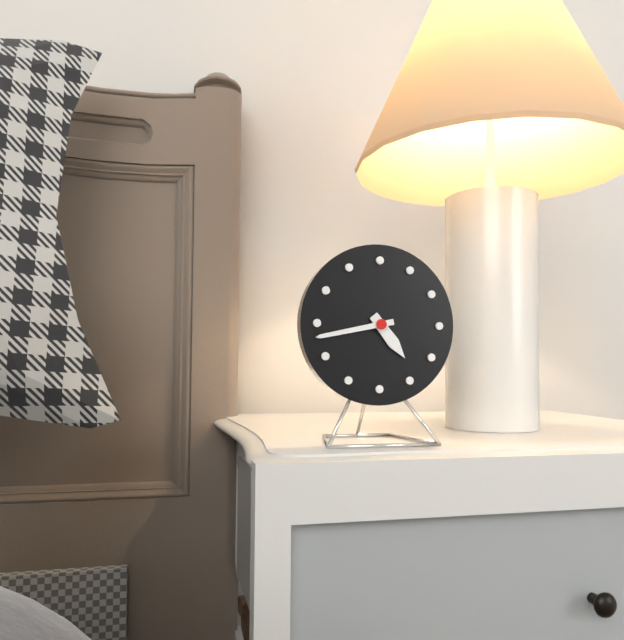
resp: 4h43
